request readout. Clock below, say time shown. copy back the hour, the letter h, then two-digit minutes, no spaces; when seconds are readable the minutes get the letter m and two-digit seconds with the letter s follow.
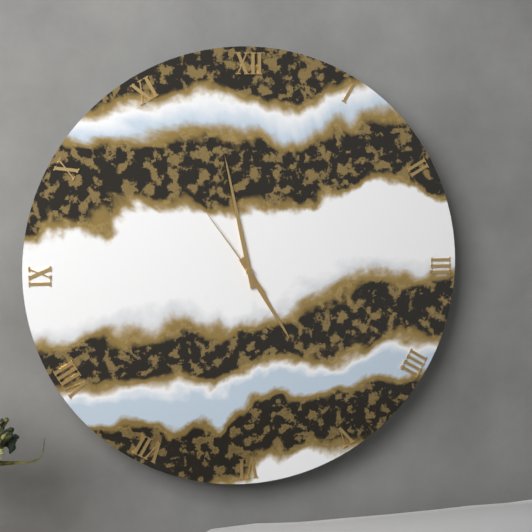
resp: 4h58m54s
